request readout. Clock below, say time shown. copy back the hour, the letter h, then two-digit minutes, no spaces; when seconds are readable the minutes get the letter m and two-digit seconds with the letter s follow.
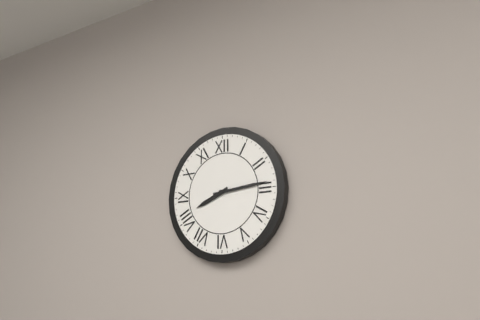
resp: 8h14
